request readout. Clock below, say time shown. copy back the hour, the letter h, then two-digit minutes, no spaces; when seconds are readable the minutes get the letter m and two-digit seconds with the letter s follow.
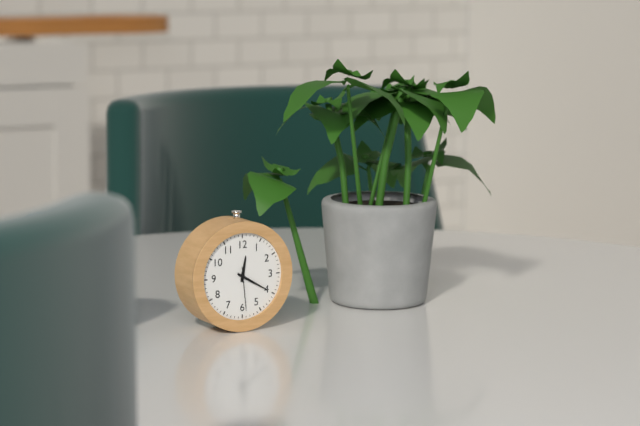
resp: 12h20
